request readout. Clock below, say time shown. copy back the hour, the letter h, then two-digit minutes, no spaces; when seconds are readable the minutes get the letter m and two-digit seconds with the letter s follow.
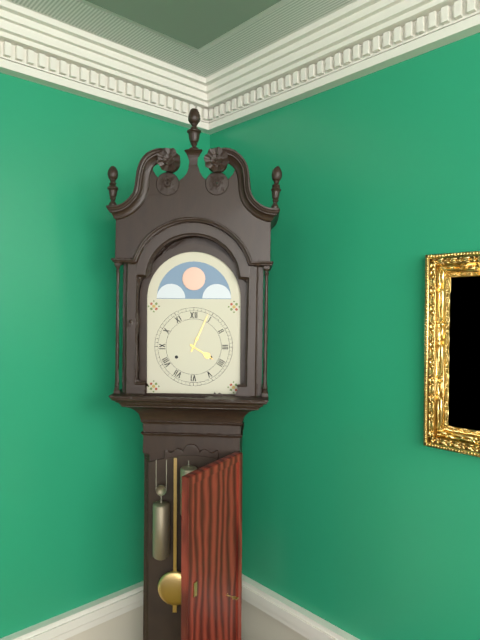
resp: 4h04
